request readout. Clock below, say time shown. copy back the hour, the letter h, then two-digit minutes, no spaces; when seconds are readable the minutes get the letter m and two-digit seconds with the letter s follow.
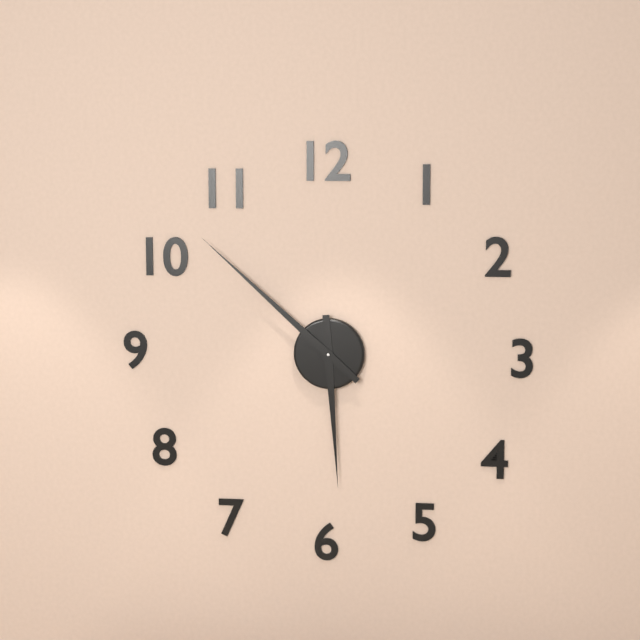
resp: 5h52
